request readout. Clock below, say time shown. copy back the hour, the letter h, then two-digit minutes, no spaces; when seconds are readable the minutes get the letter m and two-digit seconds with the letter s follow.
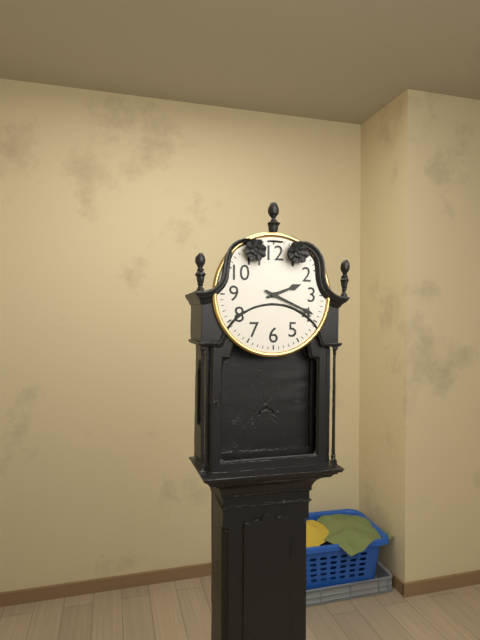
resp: 2h19
